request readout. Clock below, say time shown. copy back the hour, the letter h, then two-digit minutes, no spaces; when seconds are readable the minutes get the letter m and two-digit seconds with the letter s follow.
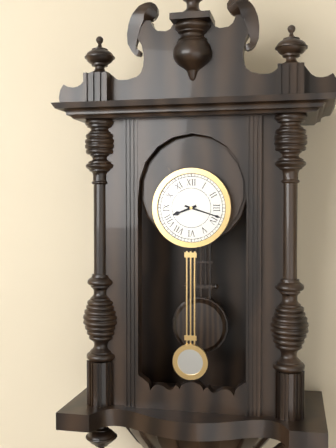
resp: 8h18
